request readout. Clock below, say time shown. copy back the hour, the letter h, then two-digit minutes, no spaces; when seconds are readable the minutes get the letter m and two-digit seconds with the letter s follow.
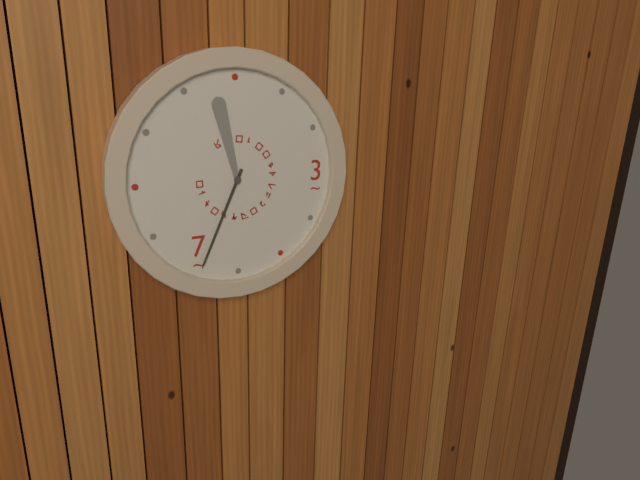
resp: 11h34
